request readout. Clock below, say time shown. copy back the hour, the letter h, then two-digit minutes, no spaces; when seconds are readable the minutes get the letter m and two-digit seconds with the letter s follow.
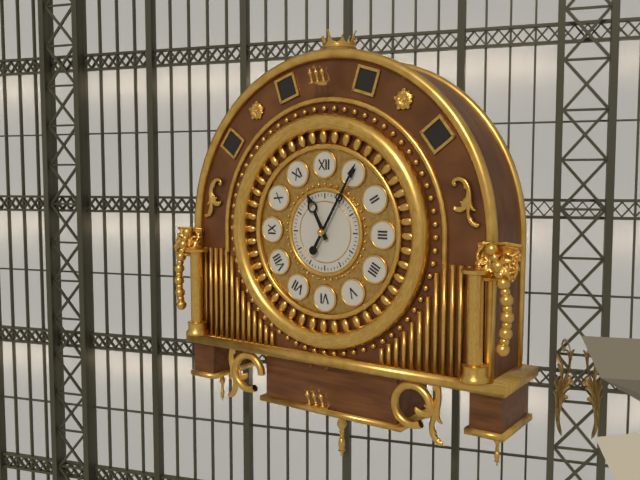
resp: 11h05
